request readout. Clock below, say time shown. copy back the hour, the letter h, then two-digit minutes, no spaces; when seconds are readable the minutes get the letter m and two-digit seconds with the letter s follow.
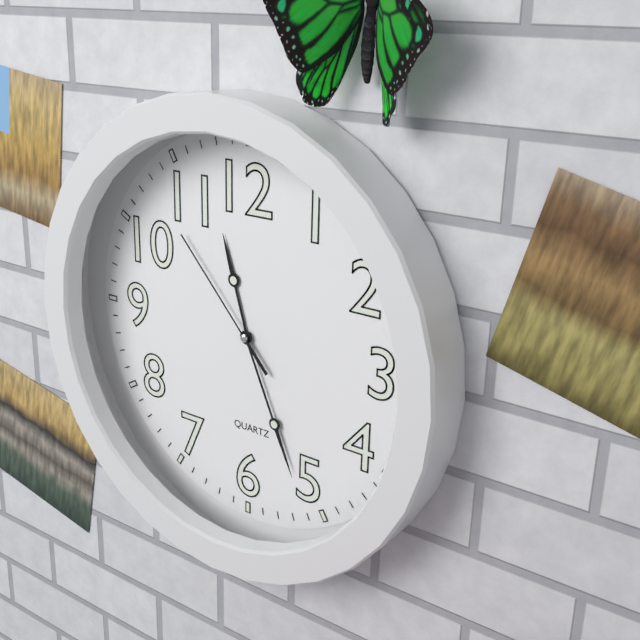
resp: 11h26m53s
